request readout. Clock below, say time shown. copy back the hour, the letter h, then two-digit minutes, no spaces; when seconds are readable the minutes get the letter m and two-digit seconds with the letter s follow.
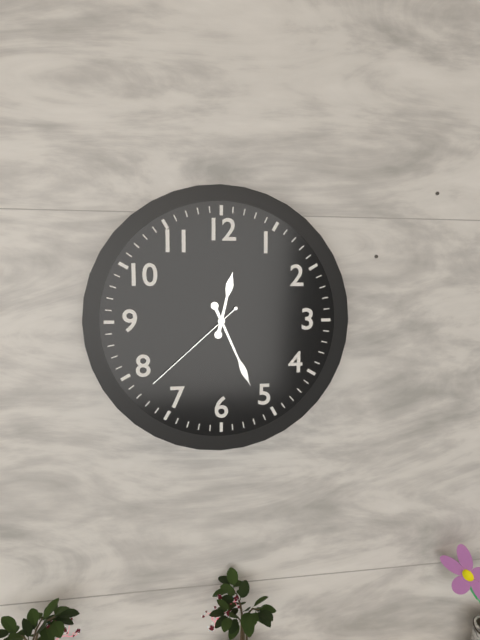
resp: 12h26m38s
